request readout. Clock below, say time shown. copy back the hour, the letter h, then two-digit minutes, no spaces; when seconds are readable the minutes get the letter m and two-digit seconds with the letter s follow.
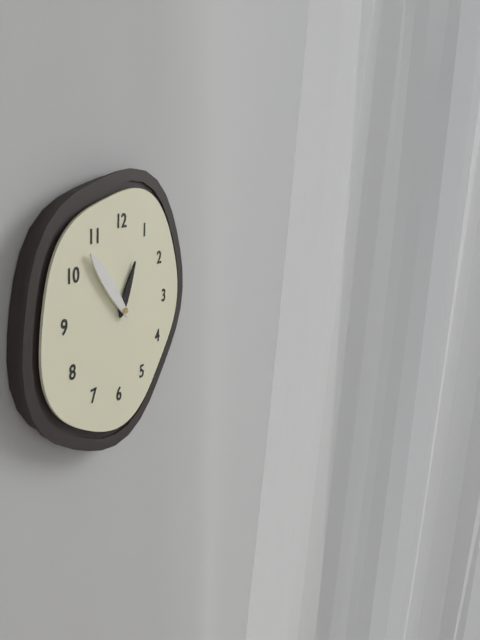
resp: 12h53
